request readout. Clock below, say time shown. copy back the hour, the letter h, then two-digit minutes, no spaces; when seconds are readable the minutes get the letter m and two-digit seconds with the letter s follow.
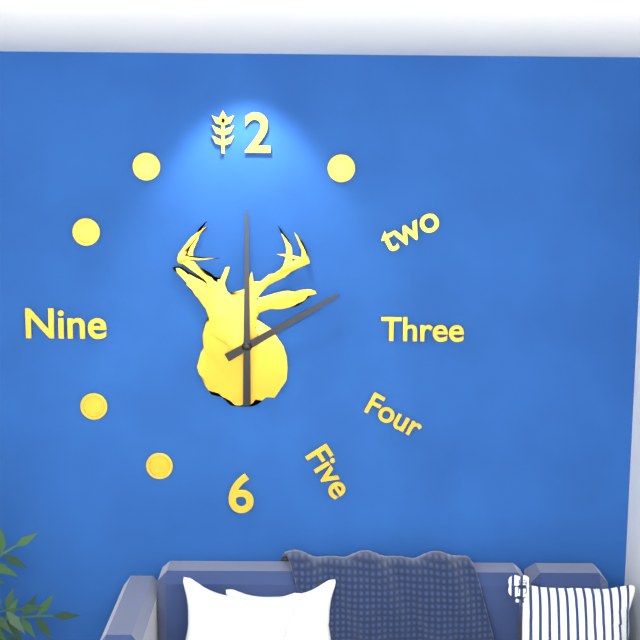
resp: 2h00
